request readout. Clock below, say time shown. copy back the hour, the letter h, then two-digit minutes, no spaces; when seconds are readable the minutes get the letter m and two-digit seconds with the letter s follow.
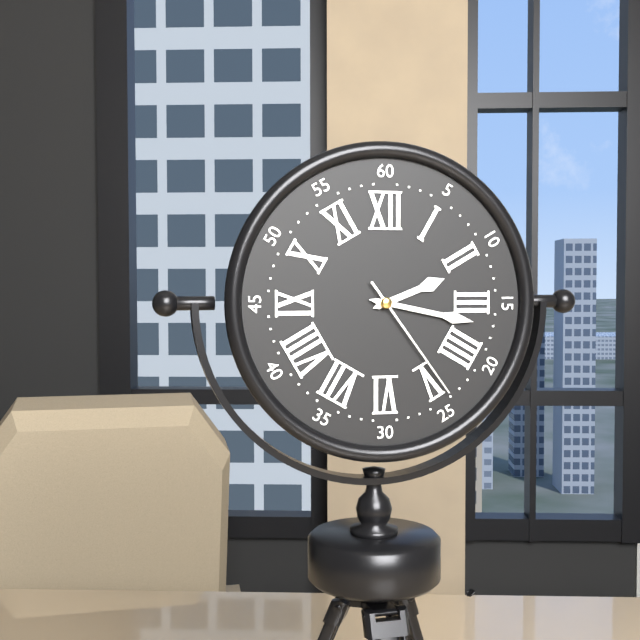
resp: 2h17m24s
